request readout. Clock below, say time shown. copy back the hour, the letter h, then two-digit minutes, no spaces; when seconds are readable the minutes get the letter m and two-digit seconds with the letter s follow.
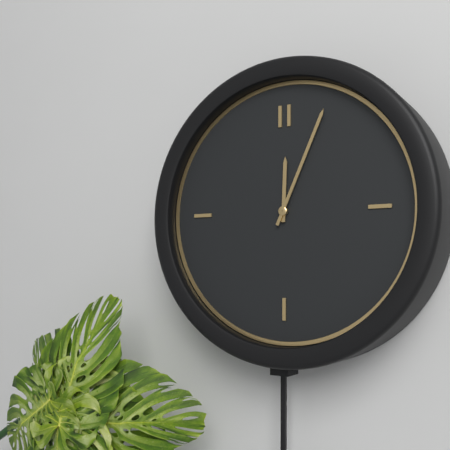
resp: 12h04
